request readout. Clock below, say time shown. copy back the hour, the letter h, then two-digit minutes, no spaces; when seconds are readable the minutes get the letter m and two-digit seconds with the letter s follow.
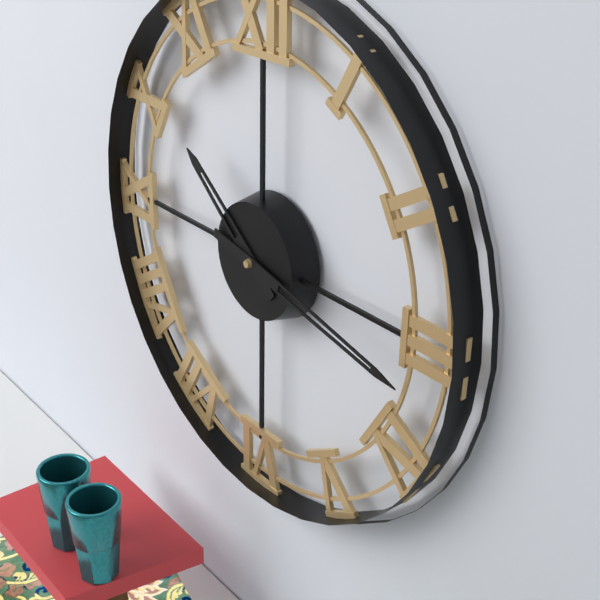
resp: 10h17
